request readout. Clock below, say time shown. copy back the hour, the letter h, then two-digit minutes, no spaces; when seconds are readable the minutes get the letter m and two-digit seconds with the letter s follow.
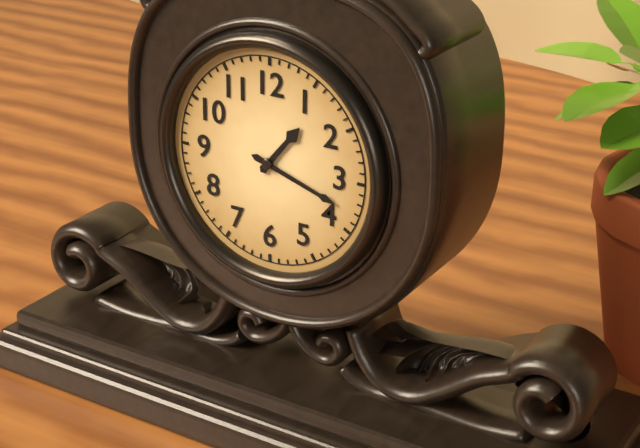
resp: 1h18
